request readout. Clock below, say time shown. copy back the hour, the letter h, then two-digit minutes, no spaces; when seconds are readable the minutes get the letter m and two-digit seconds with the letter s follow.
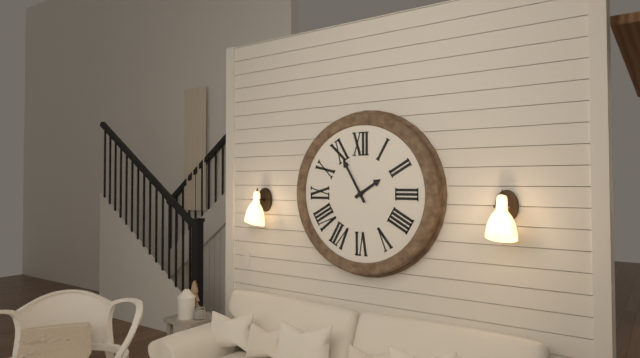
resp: 1h55
